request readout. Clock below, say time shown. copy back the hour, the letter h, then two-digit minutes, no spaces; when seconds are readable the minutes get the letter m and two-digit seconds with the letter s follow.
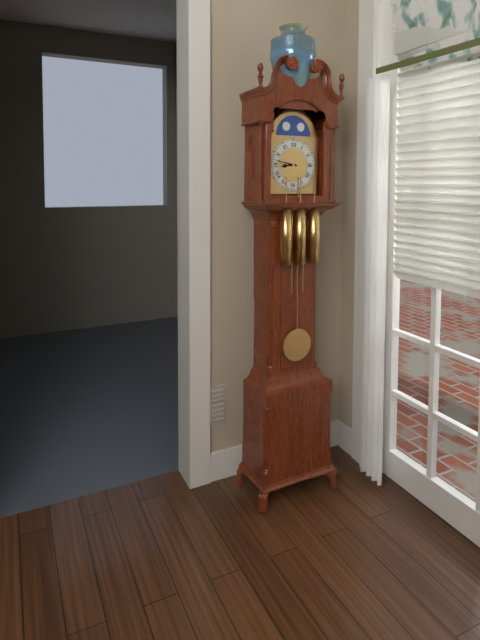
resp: 8h47
